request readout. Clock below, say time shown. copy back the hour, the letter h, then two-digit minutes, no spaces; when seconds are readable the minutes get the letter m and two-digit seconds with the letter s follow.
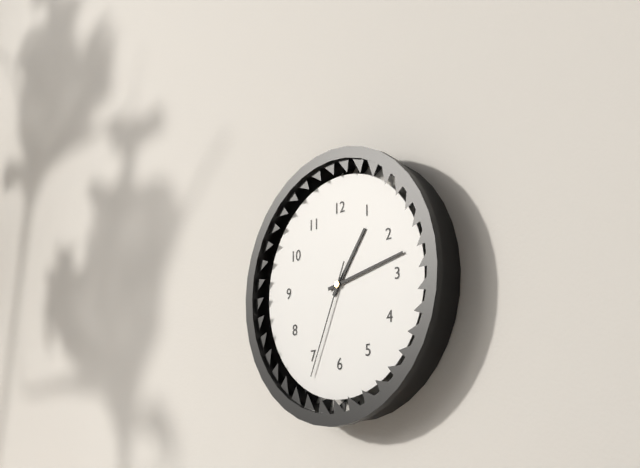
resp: 1h13m34s
